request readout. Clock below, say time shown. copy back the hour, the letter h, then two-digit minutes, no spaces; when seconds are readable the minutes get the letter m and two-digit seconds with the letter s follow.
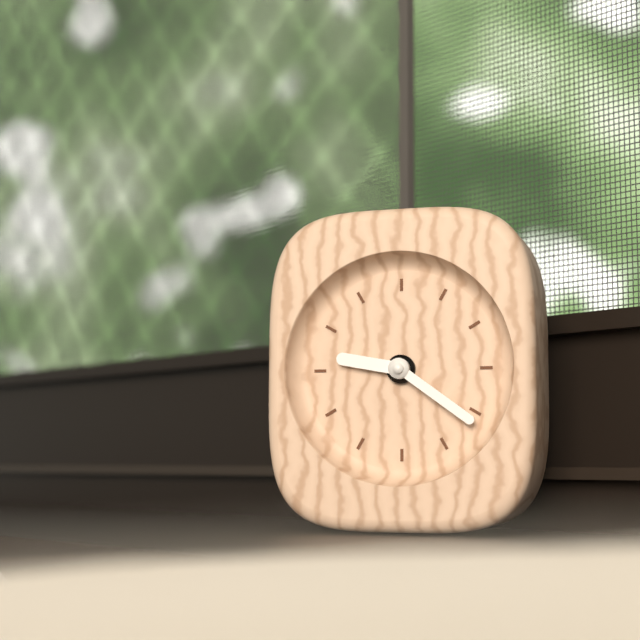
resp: 9h21
